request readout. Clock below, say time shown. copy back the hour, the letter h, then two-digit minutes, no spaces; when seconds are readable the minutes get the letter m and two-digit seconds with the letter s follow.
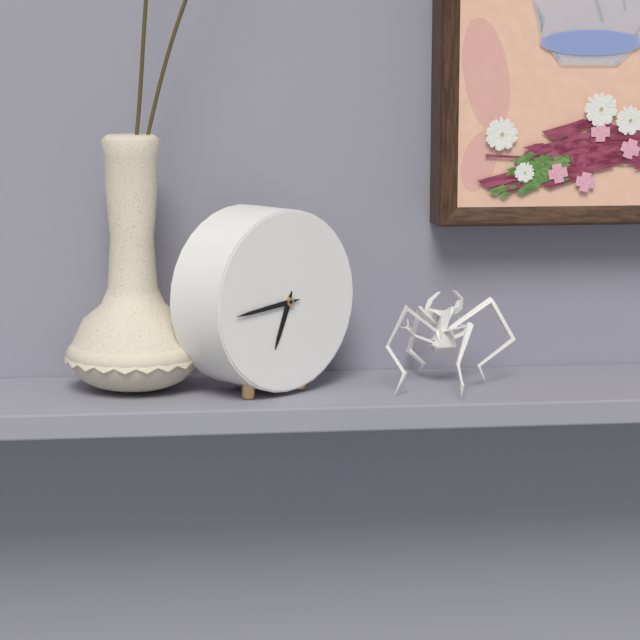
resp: 6h44
